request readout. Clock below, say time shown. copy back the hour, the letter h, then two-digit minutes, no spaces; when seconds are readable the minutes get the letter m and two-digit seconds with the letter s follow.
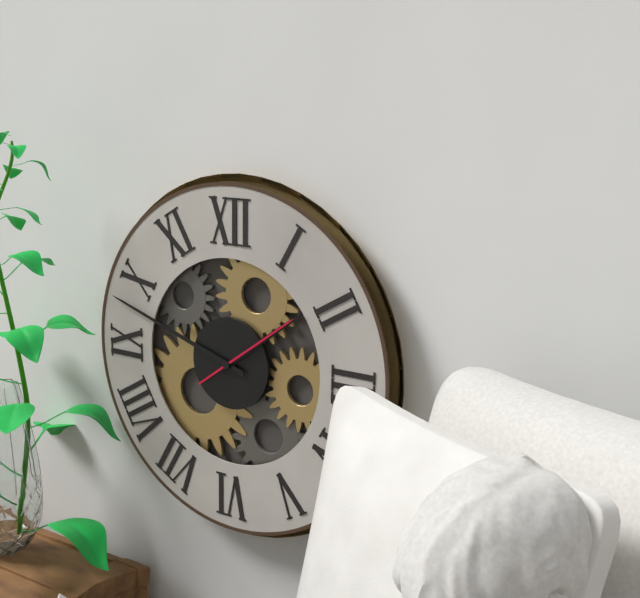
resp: 1h48m09s
